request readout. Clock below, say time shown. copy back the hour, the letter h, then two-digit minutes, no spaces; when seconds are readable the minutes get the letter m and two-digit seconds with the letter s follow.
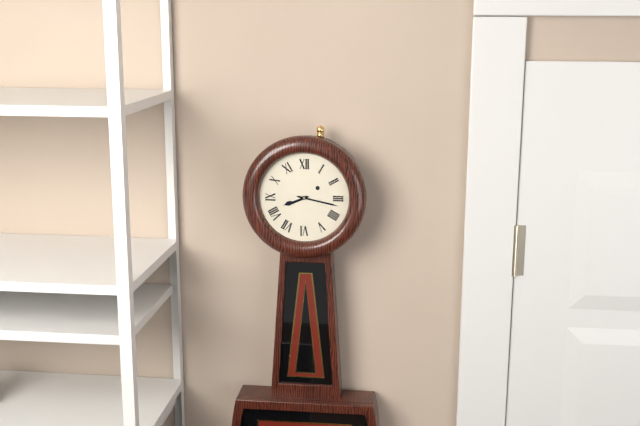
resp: 8h17
